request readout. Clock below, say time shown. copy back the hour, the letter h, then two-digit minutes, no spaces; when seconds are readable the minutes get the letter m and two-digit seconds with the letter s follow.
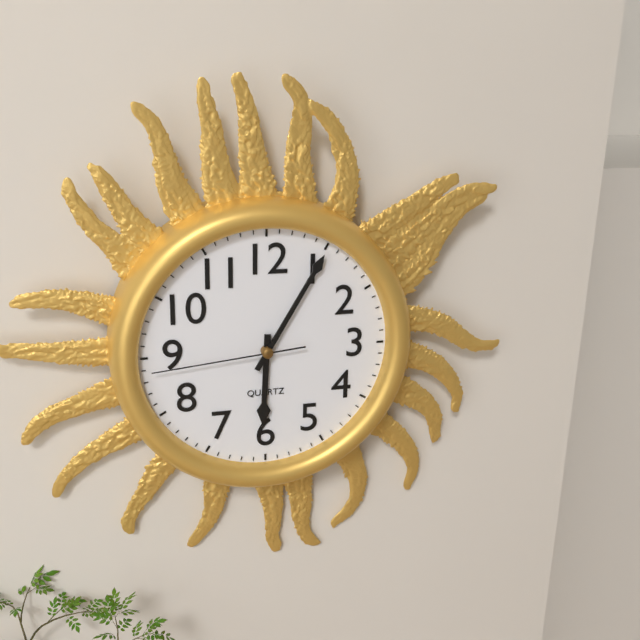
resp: 6h05m44s
